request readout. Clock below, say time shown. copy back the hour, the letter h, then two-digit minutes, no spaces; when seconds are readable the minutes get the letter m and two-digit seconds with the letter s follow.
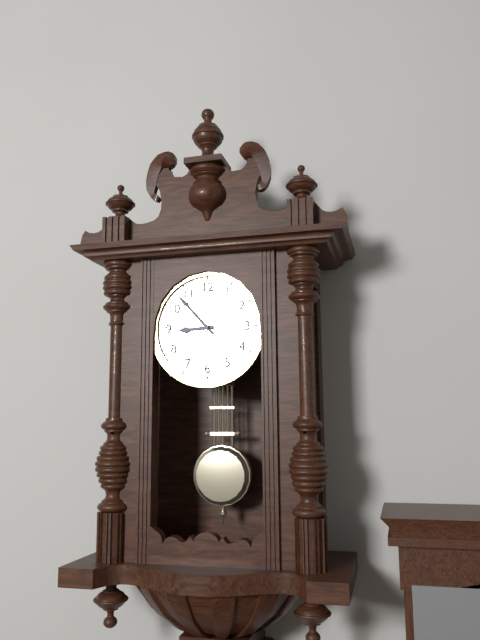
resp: 8h53
